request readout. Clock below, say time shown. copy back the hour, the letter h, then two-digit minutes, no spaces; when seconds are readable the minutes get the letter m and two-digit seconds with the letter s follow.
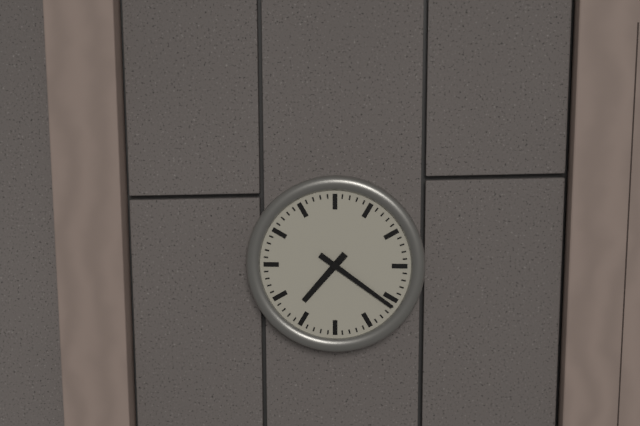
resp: 7h21
